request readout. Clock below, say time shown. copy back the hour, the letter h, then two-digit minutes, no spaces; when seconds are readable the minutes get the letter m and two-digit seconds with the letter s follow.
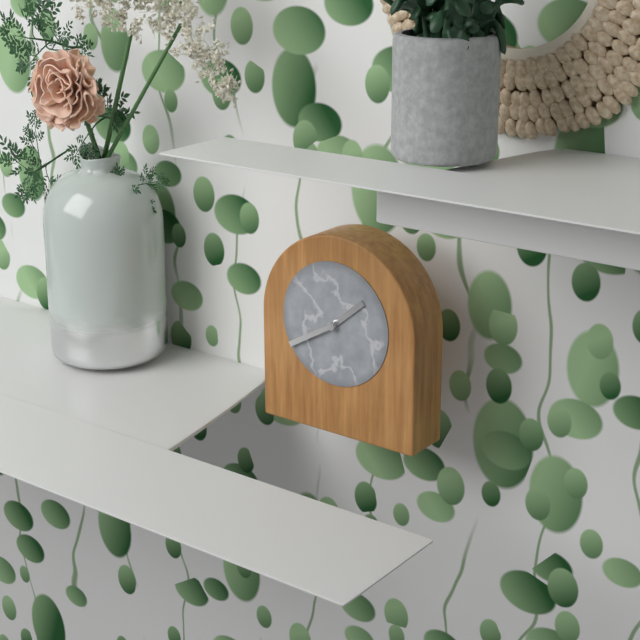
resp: 1h40
